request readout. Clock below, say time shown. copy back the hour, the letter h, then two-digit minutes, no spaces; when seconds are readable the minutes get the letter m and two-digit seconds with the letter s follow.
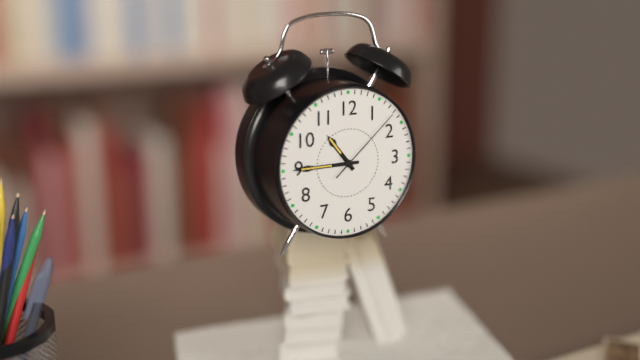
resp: 10h45m08s
